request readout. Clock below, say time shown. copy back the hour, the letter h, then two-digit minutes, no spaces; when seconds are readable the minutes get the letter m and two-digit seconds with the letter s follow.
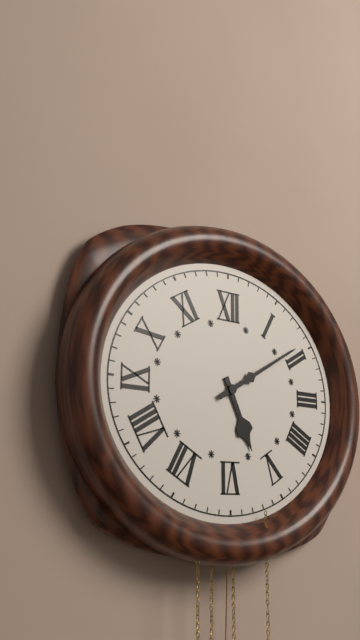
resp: 5h10
